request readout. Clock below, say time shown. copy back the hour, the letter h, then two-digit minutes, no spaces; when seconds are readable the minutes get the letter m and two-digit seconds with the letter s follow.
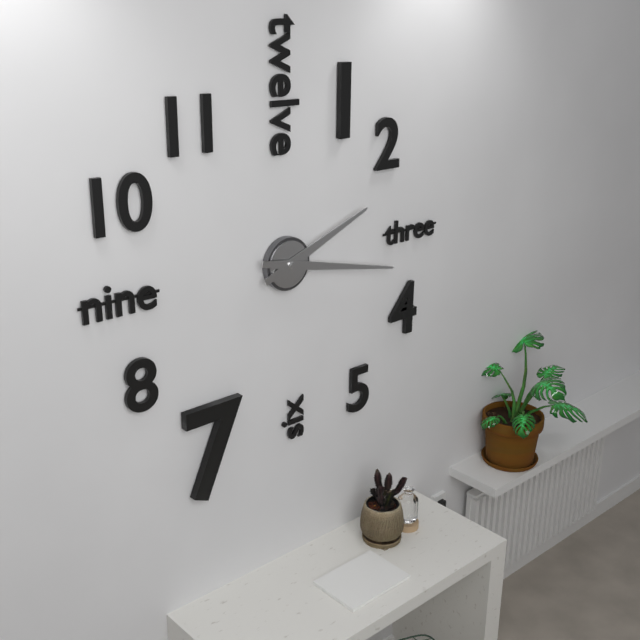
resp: 2h17
